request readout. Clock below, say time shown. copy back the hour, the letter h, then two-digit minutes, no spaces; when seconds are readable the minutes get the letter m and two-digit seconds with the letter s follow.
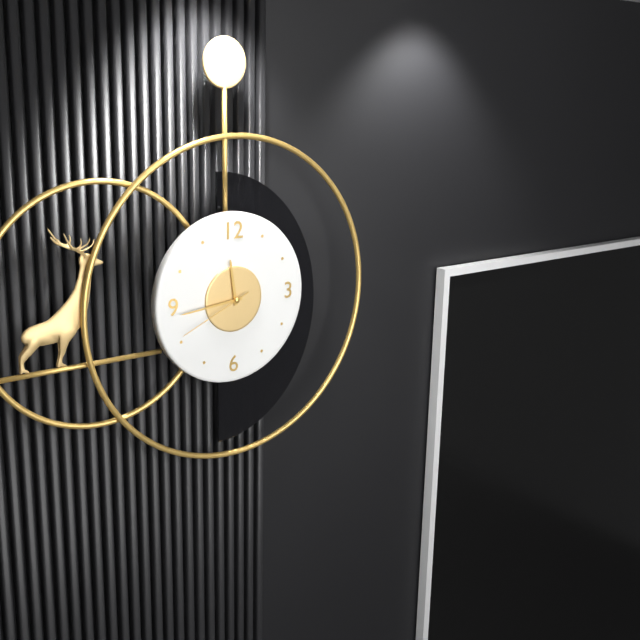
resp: 11h44m41s
